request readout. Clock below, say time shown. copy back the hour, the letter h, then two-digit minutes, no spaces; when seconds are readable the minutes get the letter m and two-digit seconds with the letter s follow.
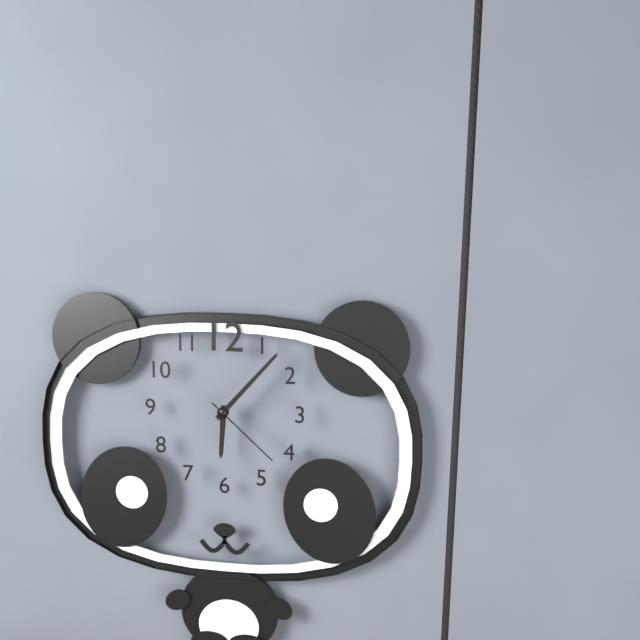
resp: 6h07m22s
